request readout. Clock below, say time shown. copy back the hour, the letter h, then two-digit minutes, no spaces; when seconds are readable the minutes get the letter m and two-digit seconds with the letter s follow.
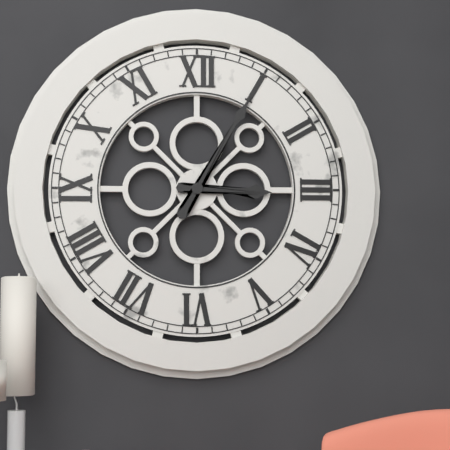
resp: 3h05
